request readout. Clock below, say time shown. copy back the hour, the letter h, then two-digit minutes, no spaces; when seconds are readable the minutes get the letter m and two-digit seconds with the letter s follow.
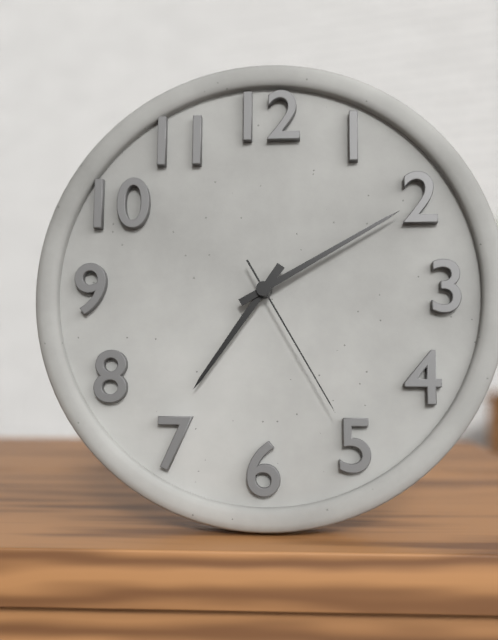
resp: 7h10m25s
